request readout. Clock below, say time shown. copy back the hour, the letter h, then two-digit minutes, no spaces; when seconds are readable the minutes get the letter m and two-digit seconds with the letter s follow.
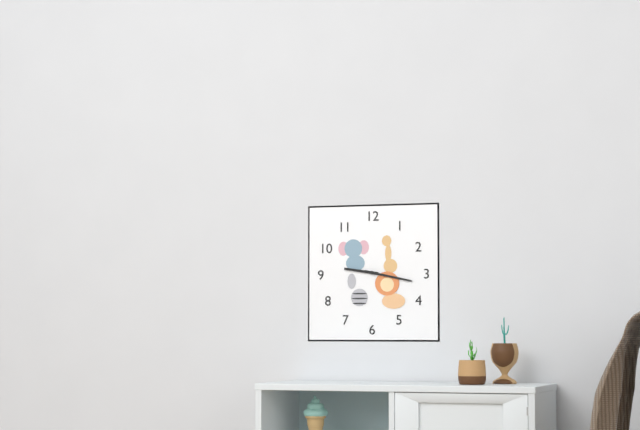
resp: 9h17
